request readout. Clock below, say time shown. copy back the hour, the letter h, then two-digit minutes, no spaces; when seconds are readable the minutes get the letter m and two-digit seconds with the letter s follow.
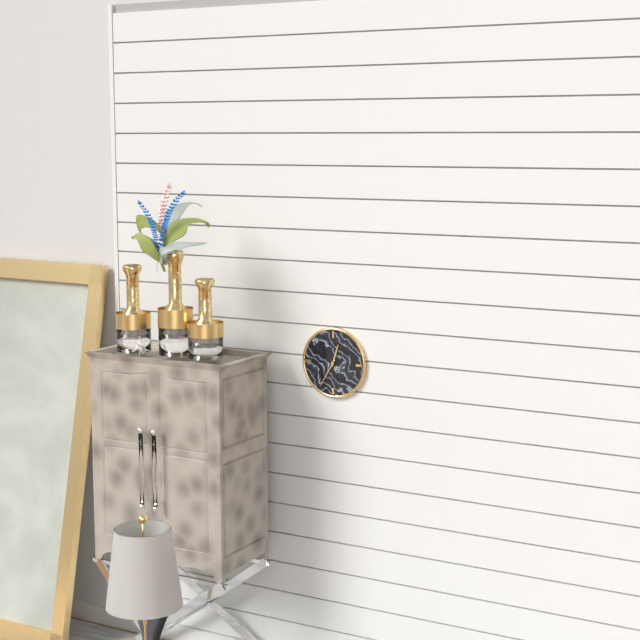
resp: 12h35
